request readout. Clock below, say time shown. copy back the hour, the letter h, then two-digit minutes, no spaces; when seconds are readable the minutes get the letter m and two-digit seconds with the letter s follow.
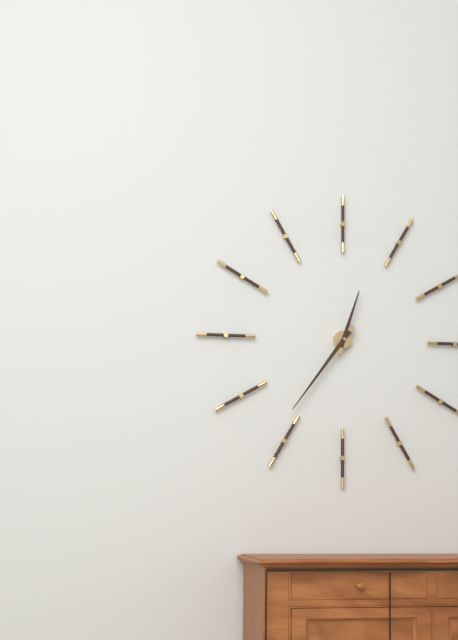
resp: 12h36
